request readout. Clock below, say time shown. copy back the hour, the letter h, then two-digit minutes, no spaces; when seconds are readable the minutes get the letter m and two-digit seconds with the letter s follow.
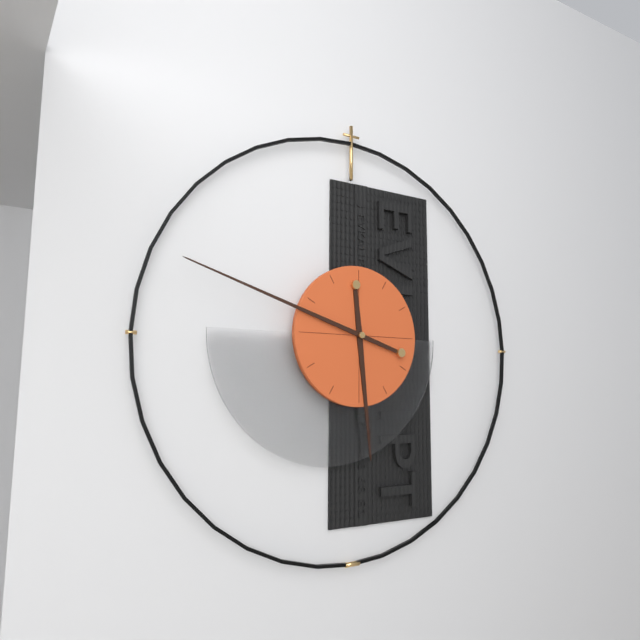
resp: 5h48
